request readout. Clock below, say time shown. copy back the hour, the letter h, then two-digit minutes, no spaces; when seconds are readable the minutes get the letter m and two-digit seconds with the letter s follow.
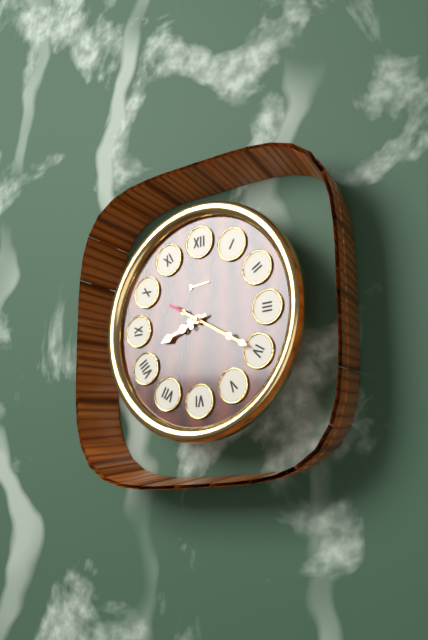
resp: 8h20m20s
